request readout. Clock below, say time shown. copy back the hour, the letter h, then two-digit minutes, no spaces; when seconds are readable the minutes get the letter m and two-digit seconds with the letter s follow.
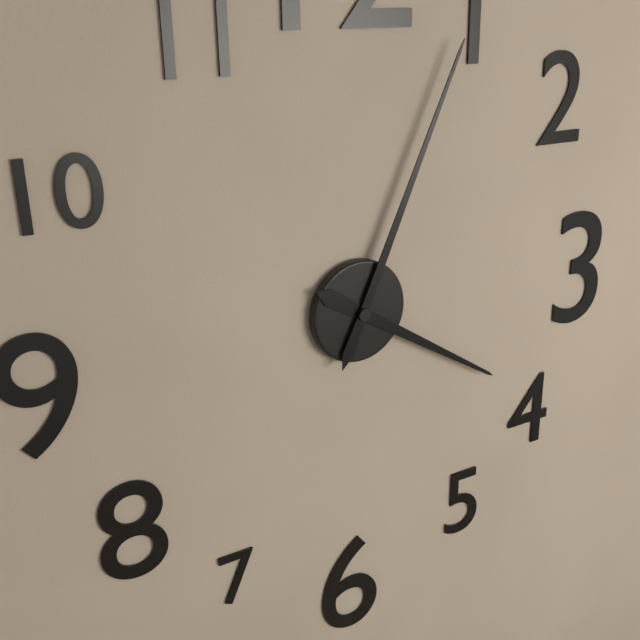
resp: 4h04
